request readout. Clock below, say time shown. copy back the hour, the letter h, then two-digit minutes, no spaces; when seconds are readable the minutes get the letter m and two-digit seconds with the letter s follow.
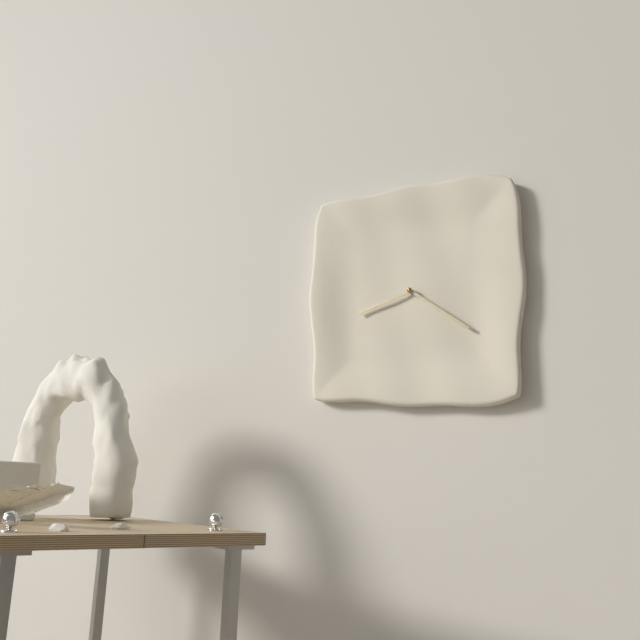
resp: 8h21
